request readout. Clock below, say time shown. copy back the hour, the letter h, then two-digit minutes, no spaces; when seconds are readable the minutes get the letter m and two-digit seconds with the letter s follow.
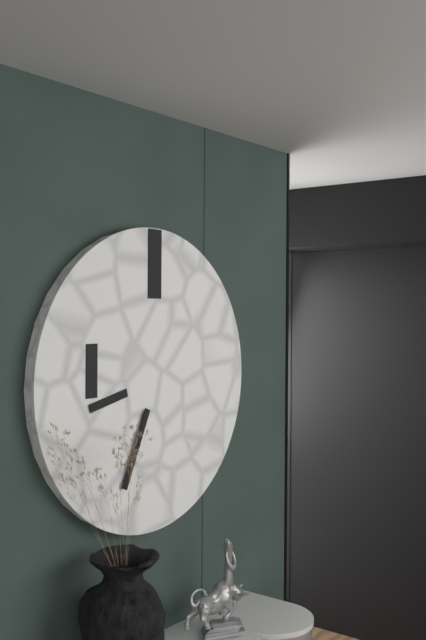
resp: 8h34
